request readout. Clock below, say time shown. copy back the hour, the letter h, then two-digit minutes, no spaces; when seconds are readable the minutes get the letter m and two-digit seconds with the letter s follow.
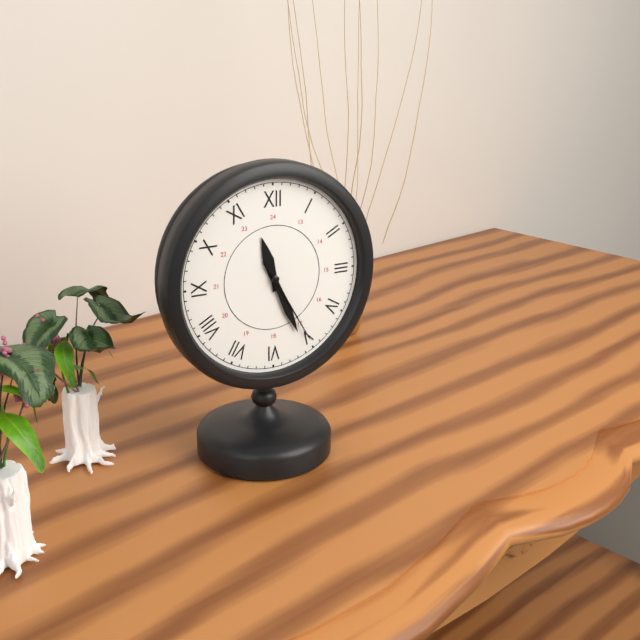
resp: 11h26m25s
